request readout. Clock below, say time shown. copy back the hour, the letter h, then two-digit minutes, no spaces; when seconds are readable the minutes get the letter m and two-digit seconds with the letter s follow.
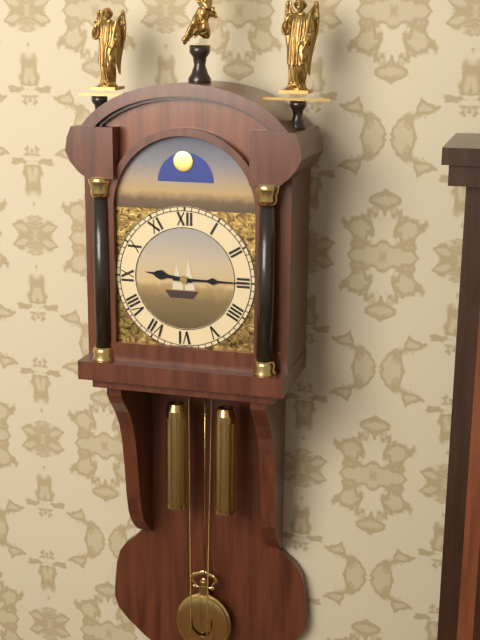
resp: 9h15
